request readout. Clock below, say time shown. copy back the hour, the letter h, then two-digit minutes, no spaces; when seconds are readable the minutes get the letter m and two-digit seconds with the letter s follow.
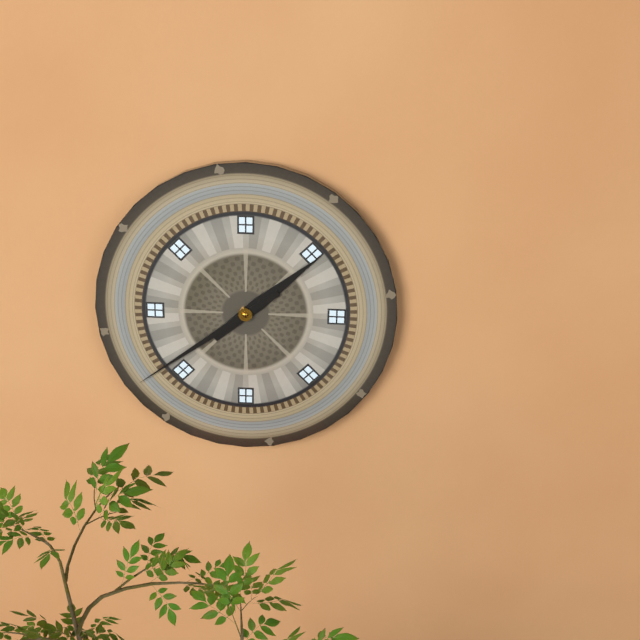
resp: 1h39
